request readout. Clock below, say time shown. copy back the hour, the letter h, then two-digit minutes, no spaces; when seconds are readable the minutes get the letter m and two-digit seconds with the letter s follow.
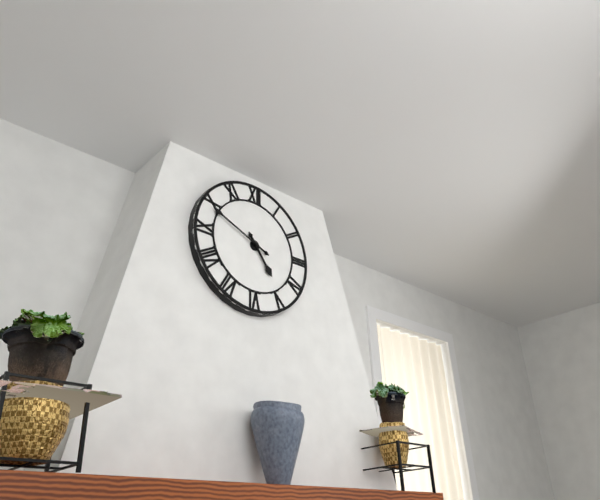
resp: 4h49
